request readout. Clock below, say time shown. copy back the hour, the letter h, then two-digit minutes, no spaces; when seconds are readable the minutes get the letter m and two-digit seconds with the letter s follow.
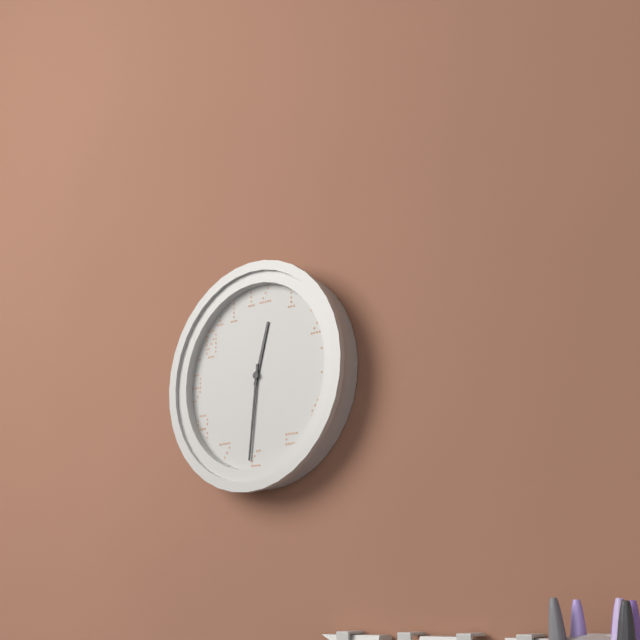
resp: 12h31
